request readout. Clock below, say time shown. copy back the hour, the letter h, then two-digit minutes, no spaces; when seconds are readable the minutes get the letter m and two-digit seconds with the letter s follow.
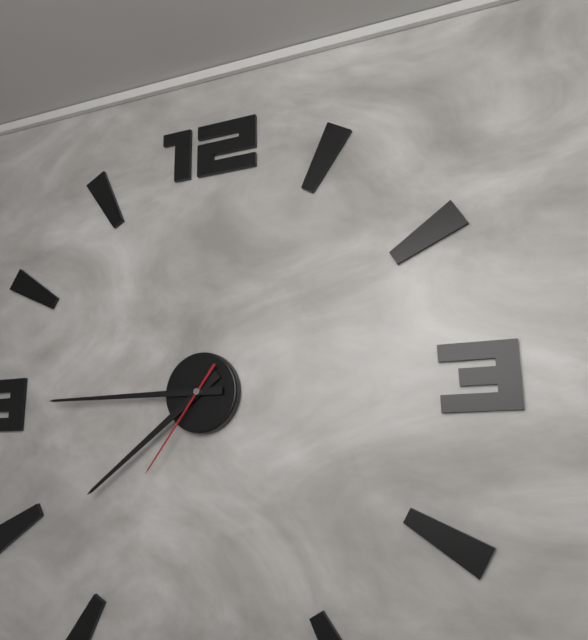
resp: 7h45m36s
